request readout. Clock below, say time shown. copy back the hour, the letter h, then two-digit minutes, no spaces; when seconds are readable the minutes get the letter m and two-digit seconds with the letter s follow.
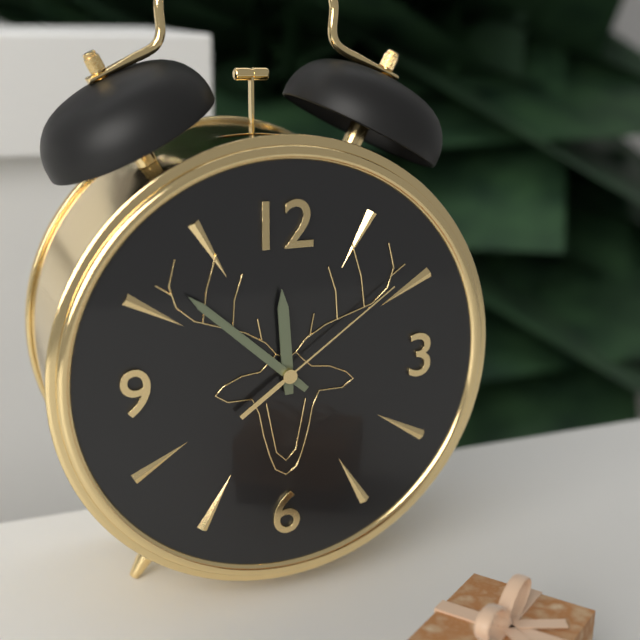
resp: 11h52m09s
